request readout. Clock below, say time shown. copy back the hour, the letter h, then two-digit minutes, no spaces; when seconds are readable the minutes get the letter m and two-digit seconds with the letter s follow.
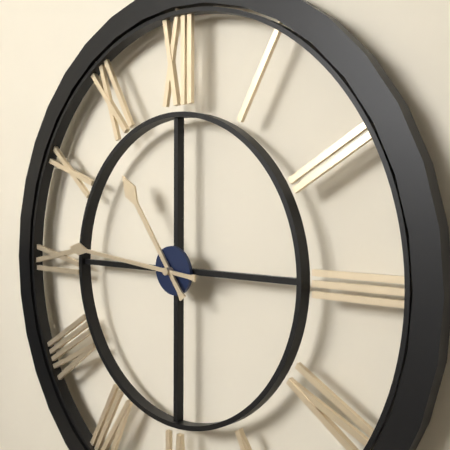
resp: 10h46
